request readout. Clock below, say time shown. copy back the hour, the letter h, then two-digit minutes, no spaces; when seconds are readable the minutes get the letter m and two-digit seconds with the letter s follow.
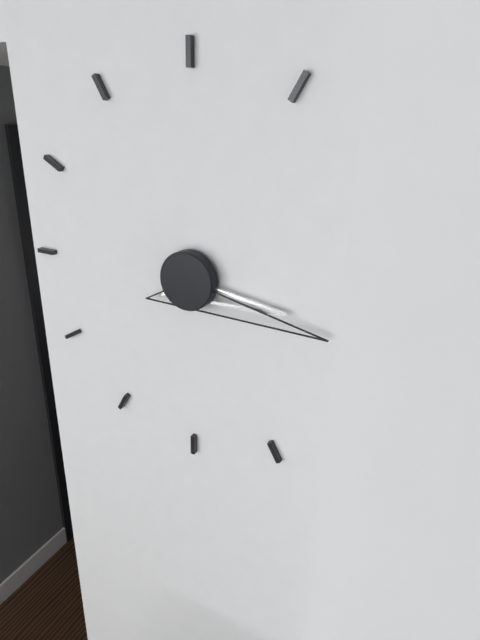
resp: 3h17
